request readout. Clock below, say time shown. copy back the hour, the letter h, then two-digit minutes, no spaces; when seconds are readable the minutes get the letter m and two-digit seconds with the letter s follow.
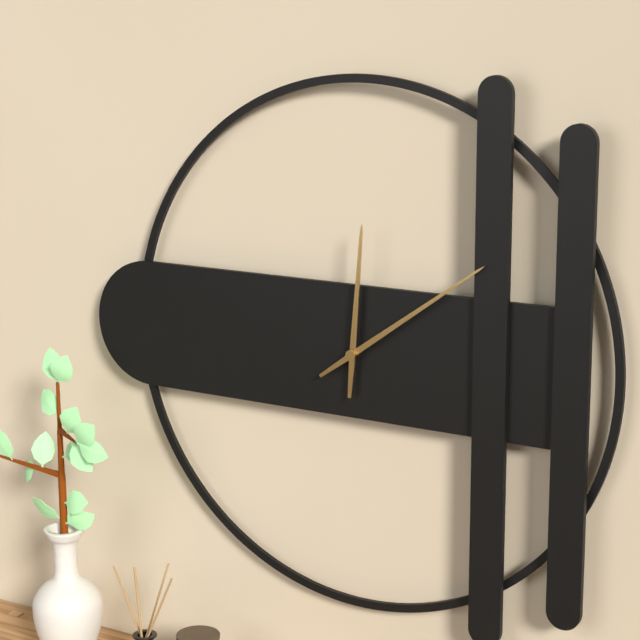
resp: 12h09
